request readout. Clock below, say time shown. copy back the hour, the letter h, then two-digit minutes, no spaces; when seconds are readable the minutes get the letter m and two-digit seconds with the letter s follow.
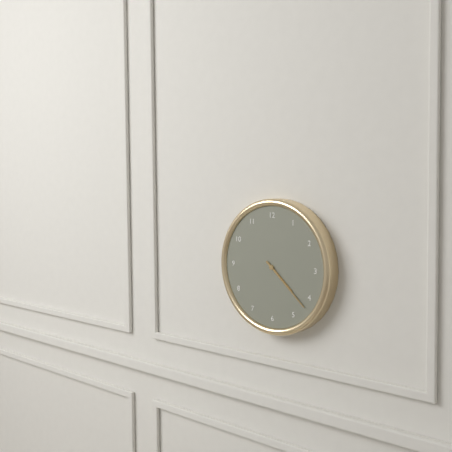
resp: 4h22
